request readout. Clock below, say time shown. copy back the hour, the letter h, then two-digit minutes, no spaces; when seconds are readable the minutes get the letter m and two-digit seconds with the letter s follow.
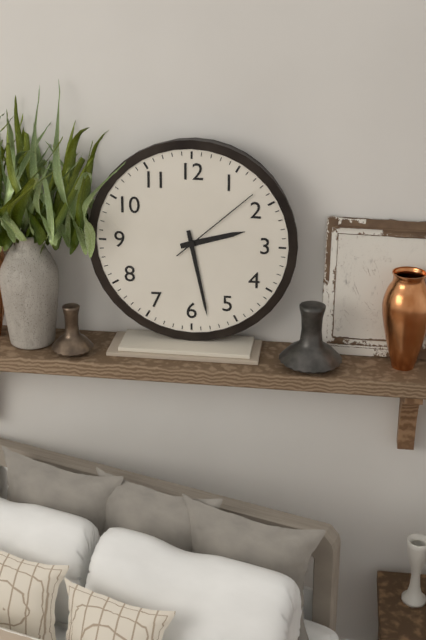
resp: 2h28m08s
